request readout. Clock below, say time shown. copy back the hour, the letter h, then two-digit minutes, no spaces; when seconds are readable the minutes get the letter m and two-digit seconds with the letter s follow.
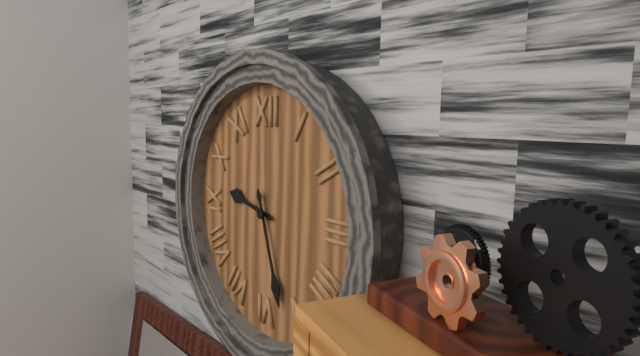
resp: 9h27
